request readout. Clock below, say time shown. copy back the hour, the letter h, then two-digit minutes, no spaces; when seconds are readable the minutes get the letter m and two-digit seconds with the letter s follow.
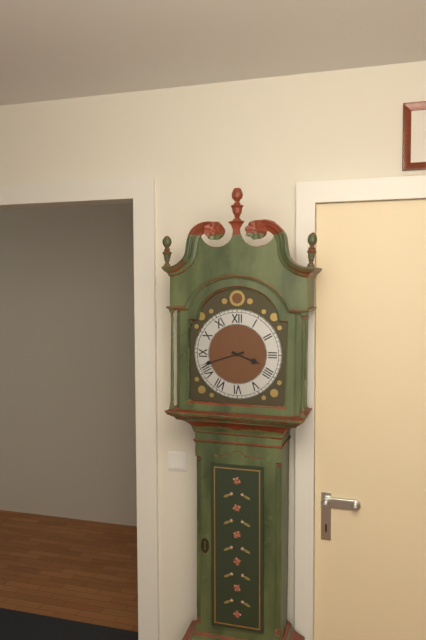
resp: 3h42
